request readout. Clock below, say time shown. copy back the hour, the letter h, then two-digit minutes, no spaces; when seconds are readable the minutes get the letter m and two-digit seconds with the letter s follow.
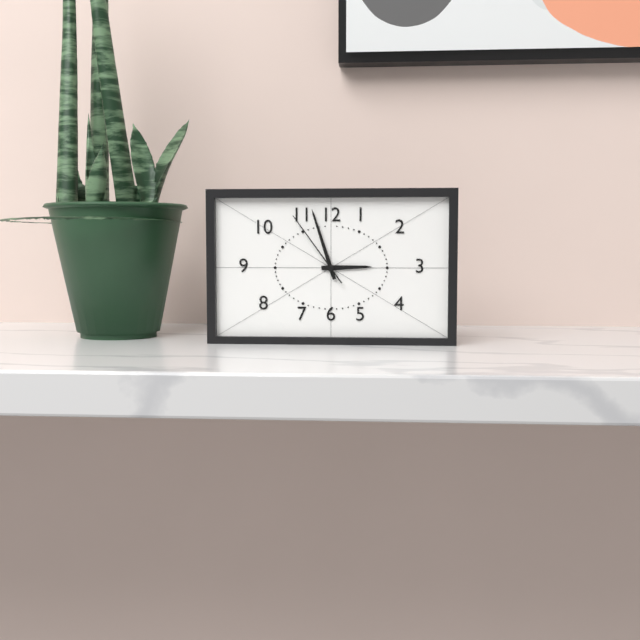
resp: 2h57m54s
